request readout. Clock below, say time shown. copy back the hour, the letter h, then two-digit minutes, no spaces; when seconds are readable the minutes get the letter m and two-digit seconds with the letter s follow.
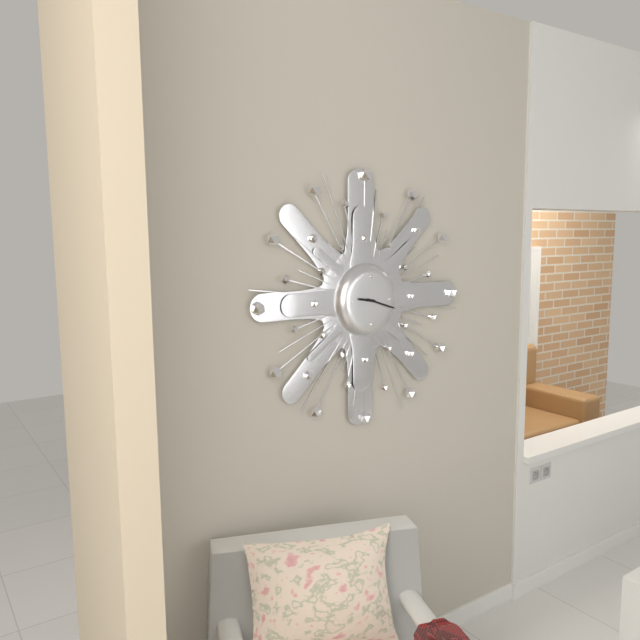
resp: 9h18
